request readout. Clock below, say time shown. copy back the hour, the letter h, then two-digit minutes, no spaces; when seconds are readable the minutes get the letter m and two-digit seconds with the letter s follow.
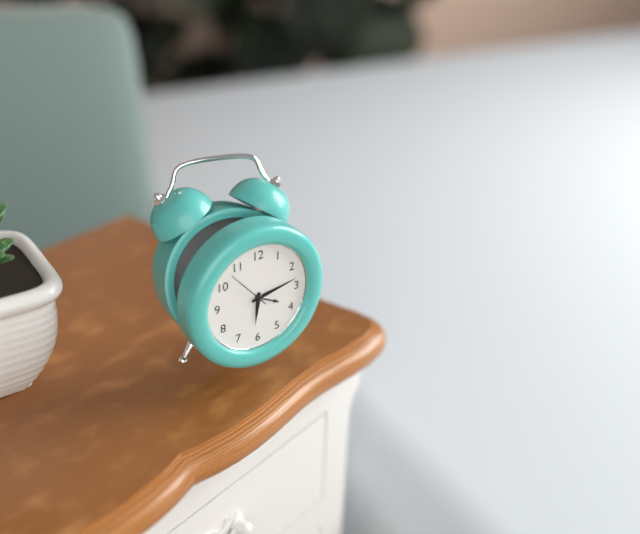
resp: 6h13
